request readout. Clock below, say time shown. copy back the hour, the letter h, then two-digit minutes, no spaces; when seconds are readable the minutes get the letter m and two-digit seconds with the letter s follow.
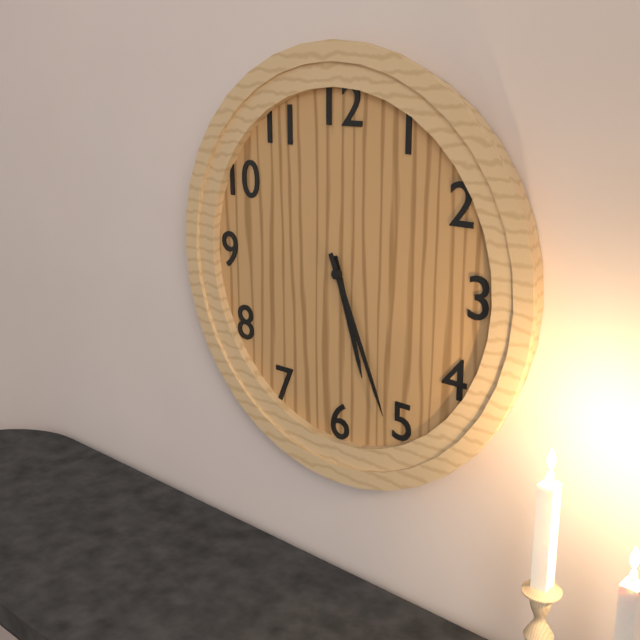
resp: 5h26
